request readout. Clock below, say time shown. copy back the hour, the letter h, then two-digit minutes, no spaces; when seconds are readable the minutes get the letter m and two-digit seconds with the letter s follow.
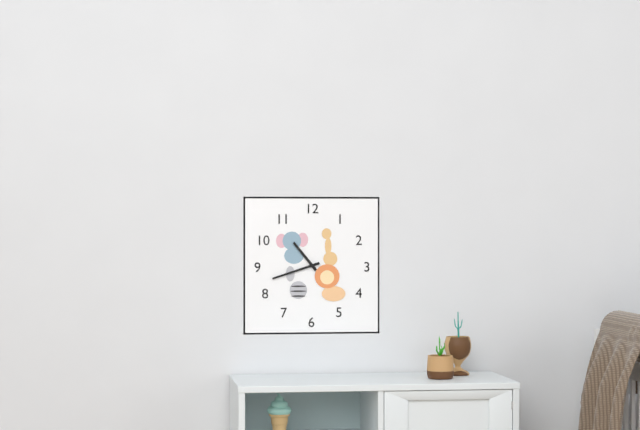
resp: 10h42
